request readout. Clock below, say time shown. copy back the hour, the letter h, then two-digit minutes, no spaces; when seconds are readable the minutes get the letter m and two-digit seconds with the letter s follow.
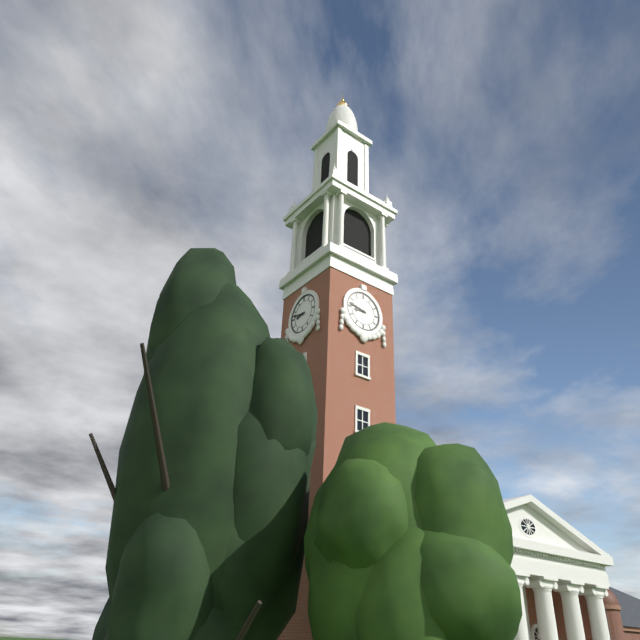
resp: 8h47
